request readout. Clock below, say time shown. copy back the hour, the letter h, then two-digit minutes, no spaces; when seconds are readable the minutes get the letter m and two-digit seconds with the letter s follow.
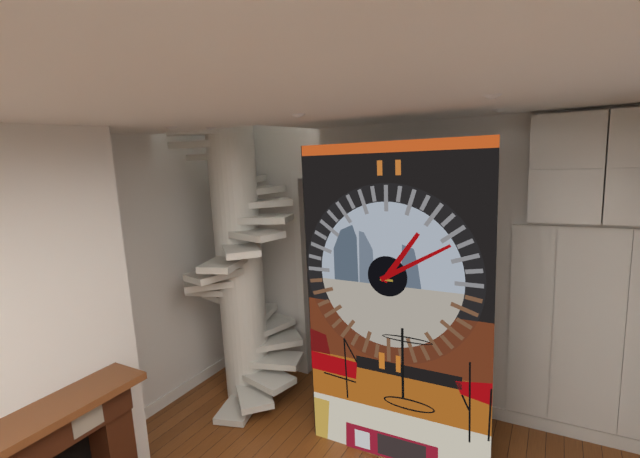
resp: 1h10
